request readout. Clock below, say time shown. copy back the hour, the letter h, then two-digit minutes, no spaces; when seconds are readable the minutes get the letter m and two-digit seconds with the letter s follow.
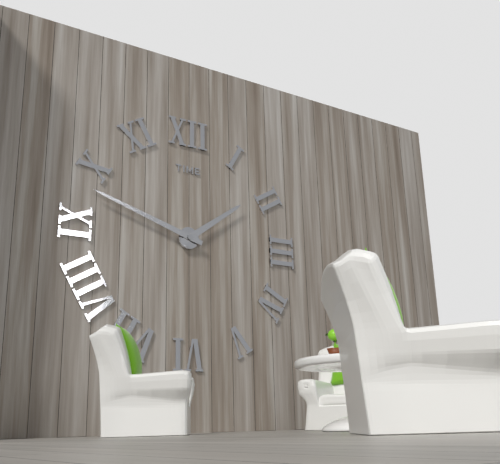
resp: 1h48
